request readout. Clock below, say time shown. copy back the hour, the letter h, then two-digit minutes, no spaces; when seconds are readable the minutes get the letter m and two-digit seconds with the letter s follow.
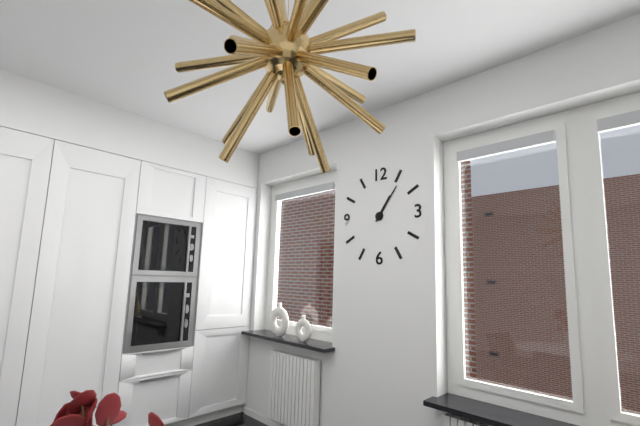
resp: 1h06
